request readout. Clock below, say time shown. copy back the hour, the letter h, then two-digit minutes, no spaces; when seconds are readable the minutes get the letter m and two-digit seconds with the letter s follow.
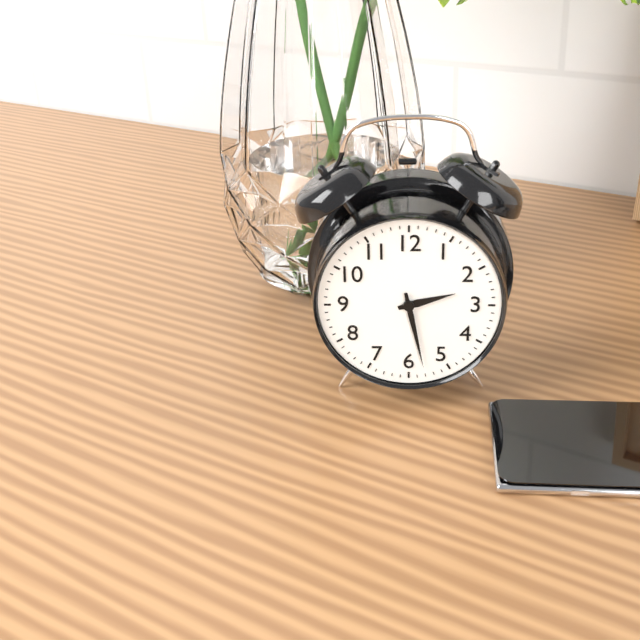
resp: 2h28
